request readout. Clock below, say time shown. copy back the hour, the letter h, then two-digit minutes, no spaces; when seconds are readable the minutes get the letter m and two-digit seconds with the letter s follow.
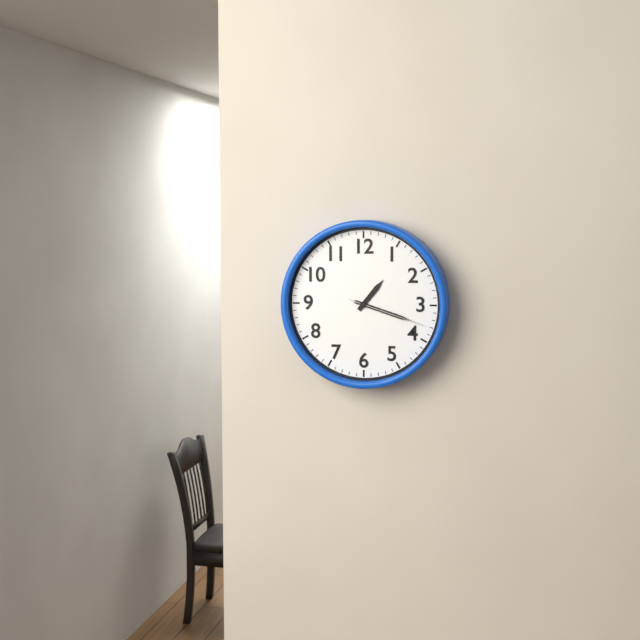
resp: 1h18m18s
